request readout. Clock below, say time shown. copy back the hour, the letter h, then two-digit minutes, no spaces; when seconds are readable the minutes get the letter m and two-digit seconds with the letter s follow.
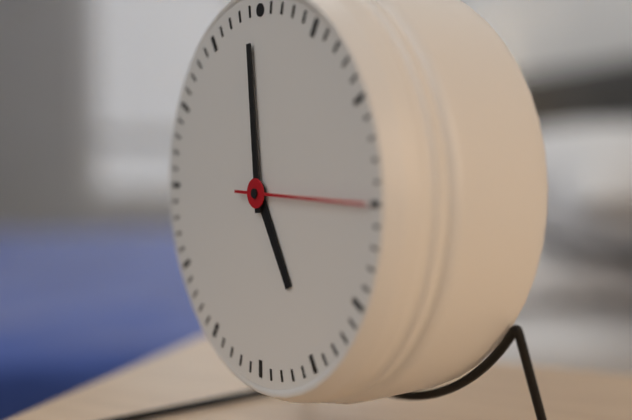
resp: 4h59m15s
